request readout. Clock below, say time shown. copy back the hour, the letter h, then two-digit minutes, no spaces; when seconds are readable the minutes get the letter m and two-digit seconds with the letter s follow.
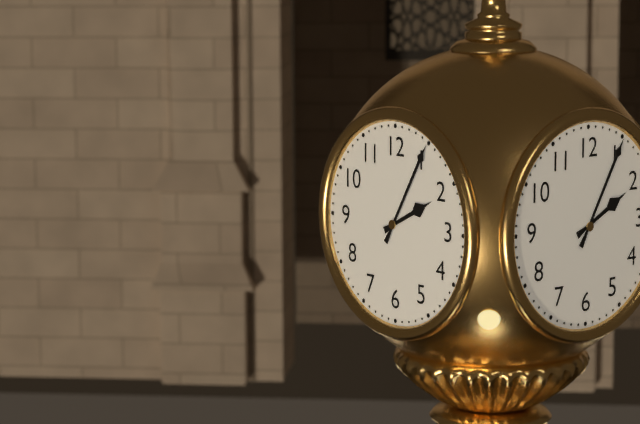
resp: 2h05
